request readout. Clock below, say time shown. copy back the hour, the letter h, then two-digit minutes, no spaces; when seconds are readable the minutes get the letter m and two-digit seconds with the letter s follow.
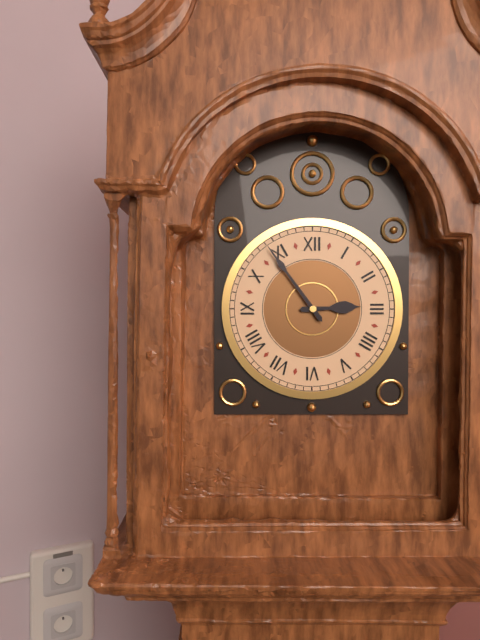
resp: 2h54
